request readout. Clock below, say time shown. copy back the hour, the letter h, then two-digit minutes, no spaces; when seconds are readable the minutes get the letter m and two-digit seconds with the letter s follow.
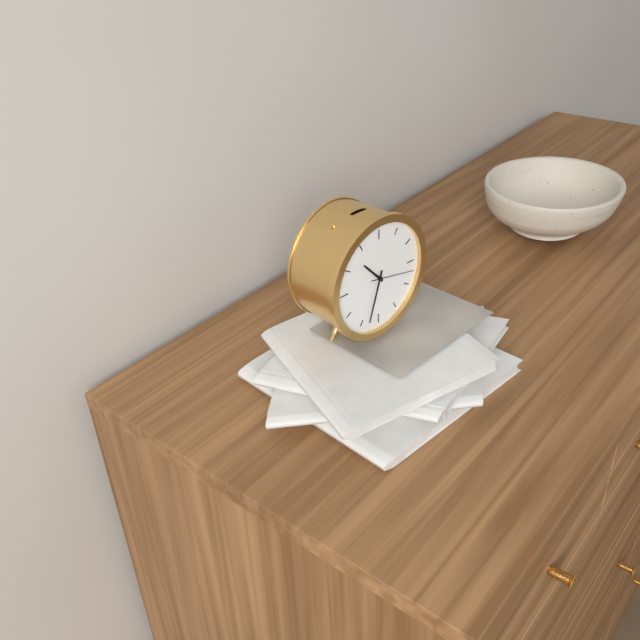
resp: 10h33
